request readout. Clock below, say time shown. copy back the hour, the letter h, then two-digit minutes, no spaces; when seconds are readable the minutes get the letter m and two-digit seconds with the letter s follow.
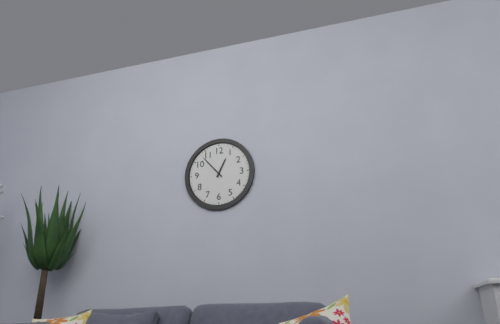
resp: 12h53
